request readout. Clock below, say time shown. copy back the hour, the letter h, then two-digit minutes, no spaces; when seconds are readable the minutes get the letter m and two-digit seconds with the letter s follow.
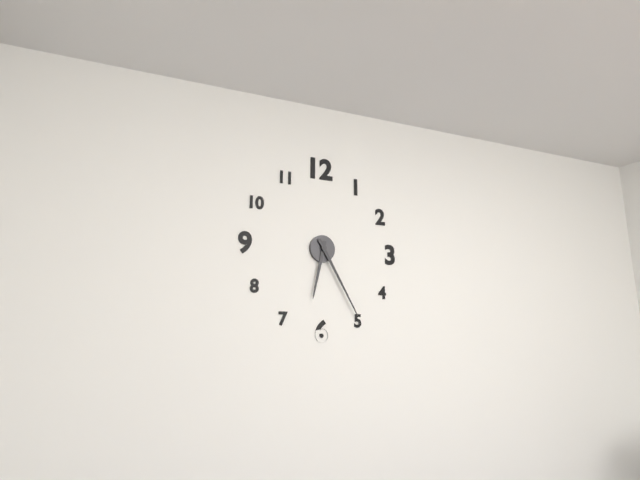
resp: 6h25
